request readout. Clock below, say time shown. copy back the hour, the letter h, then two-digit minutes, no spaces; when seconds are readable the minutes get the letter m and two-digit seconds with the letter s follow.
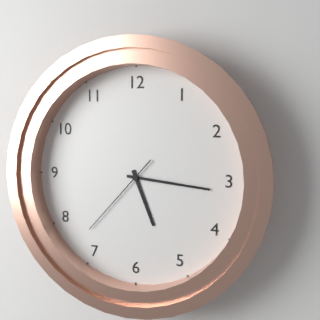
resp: 5h16m37s
